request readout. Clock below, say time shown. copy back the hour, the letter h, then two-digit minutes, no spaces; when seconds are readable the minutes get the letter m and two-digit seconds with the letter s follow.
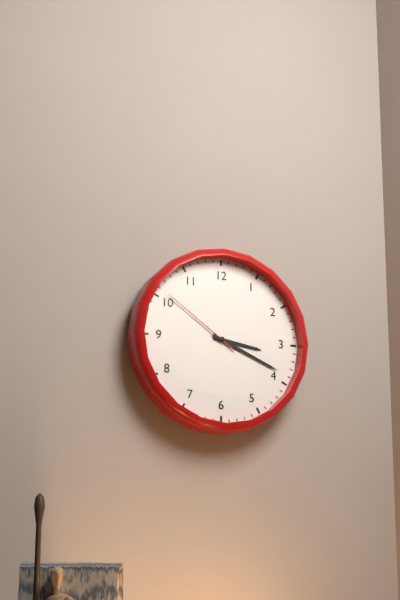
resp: 3h19m51s
